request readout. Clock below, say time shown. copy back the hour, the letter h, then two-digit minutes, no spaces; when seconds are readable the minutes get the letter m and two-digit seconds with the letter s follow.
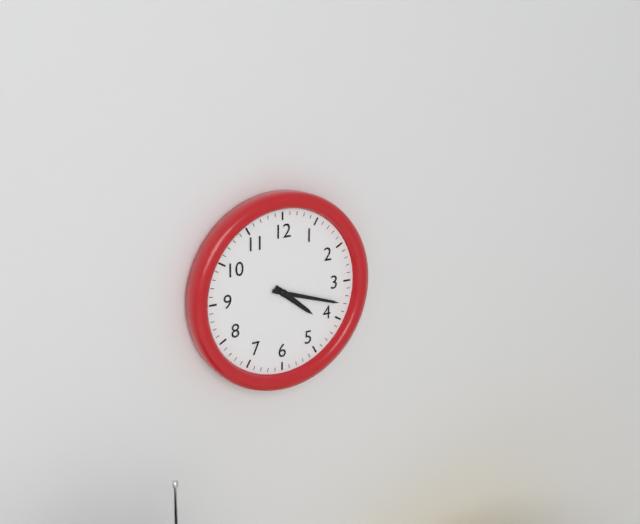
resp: 4h18
